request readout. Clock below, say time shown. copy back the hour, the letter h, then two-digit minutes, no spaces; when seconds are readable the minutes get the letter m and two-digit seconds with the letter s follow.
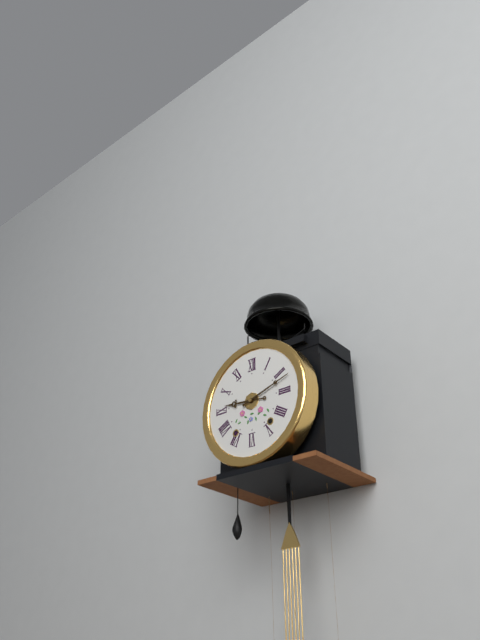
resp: 9h12
